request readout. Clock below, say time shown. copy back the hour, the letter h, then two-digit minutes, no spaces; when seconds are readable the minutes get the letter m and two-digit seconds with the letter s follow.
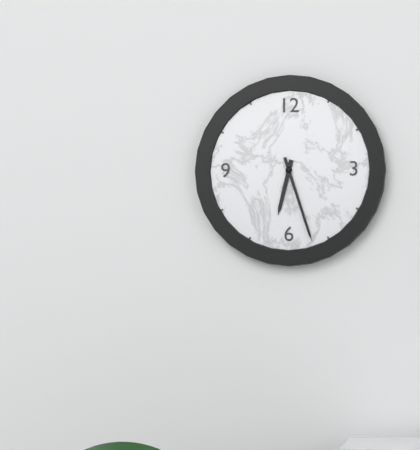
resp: 6h27
